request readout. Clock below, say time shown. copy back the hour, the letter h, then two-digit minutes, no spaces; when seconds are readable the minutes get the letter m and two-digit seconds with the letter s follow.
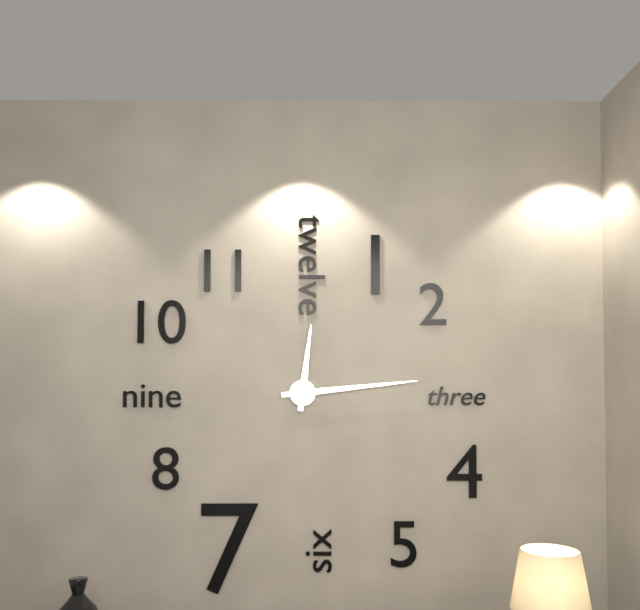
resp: 12h14
